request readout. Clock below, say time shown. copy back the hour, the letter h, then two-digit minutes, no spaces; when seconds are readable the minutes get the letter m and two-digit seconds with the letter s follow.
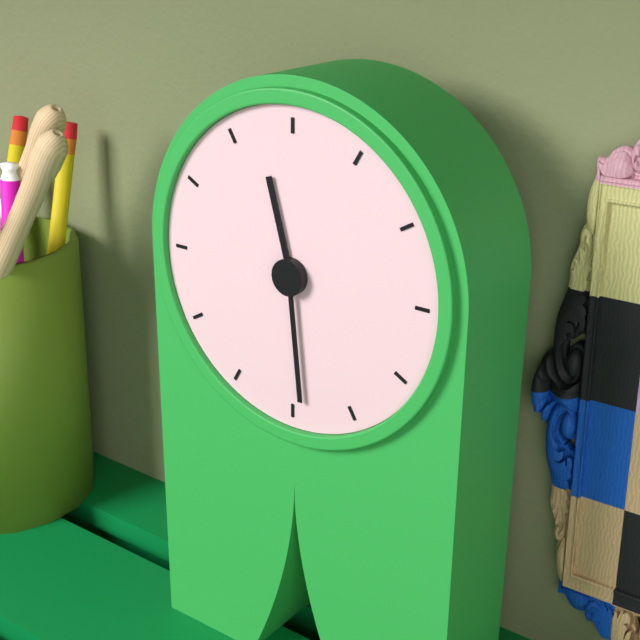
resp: 11h29
